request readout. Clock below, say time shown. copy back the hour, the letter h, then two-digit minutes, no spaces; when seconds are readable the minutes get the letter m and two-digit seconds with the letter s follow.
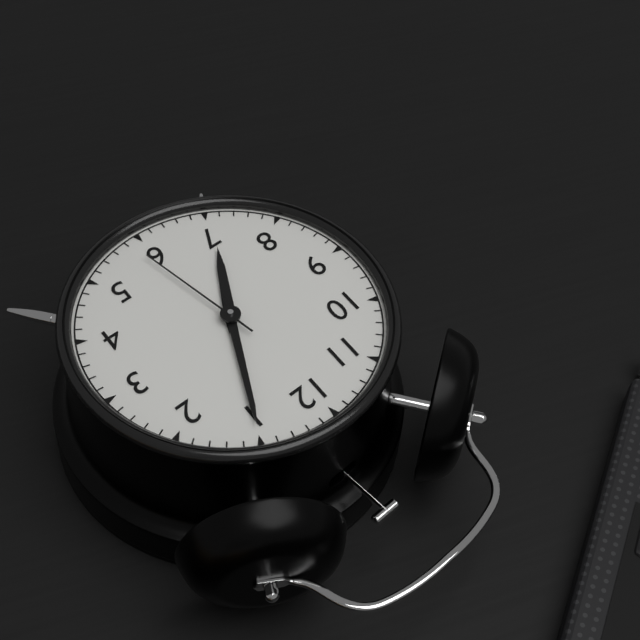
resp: 7h05m29s
